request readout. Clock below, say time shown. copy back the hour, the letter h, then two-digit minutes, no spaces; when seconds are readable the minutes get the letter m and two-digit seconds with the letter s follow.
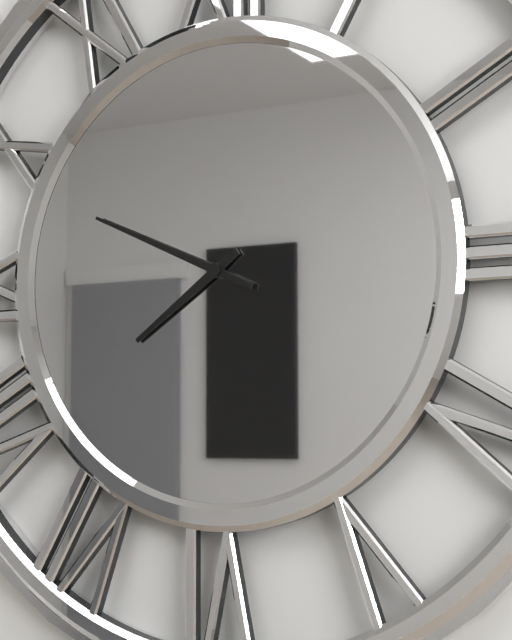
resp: 7h49
